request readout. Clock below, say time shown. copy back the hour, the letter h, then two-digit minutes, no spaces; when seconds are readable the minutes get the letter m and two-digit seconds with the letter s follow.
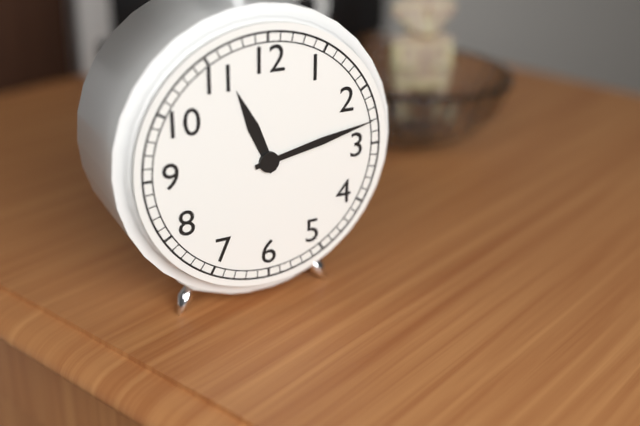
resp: 11h13
